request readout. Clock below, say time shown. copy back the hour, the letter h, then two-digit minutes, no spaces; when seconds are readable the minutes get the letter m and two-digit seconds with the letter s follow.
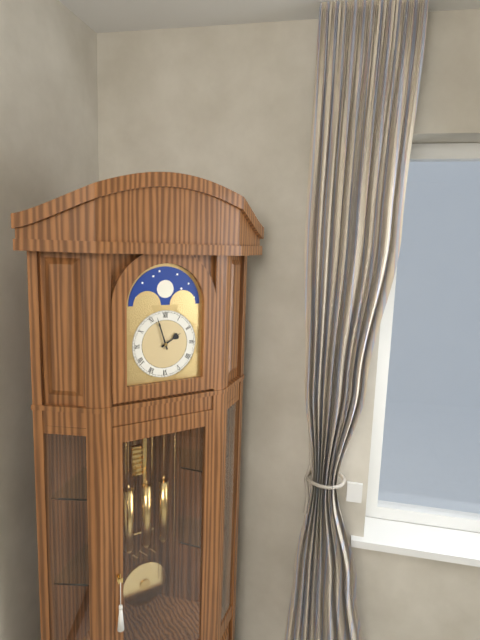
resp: 1h57
